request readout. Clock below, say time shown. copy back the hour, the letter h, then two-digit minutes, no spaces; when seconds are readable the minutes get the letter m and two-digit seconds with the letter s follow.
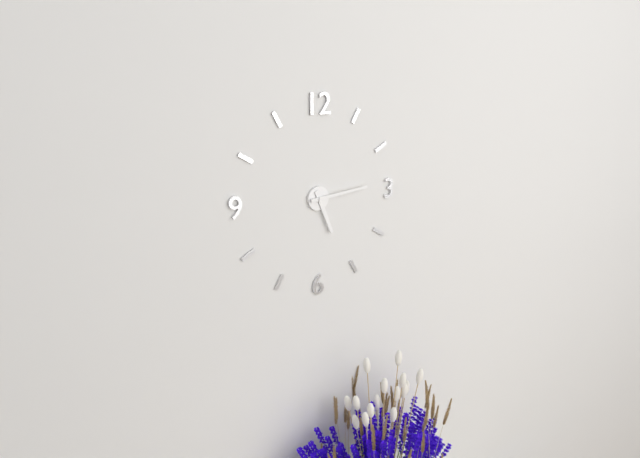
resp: 5h14
